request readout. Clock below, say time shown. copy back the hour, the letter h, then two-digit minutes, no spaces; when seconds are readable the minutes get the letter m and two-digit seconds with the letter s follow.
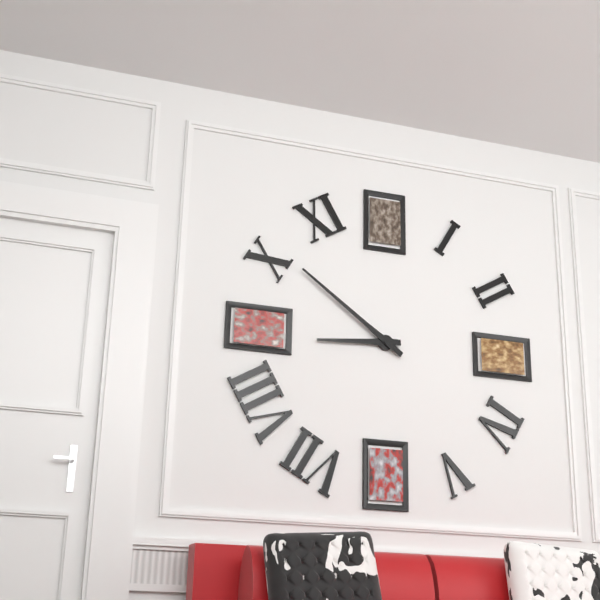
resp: 8h51
